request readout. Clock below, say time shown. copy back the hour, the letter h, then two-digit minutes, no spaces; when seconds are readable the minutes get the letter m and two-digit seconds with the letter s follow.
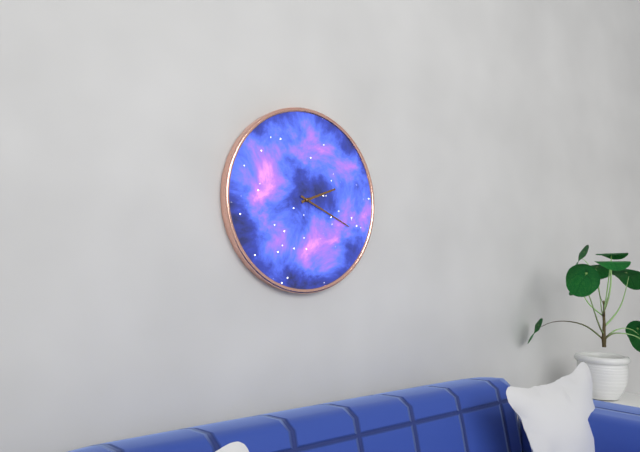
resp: 2h19
